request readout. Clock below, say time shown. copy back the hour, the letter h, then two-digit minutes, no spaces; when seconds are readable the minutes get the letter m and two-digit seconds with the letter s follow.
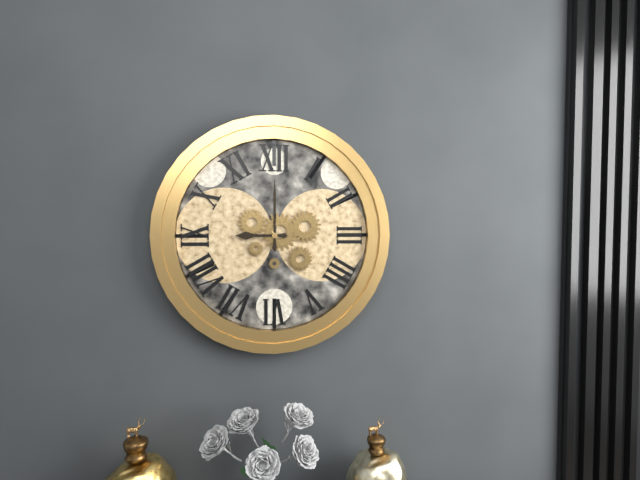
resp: 9h00
